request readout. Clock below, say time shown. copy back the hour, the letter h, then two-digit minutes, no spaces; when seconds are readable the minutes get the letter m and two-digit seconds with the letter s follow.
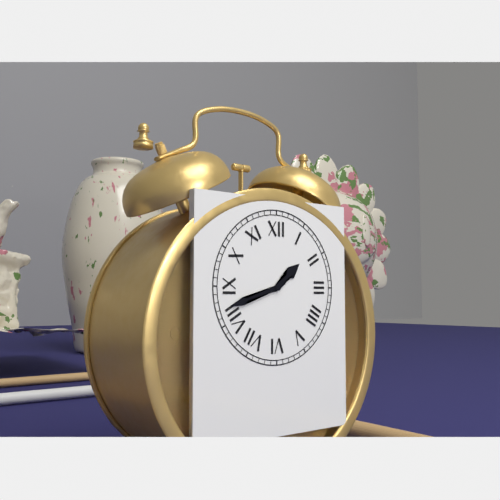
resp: 1h42
